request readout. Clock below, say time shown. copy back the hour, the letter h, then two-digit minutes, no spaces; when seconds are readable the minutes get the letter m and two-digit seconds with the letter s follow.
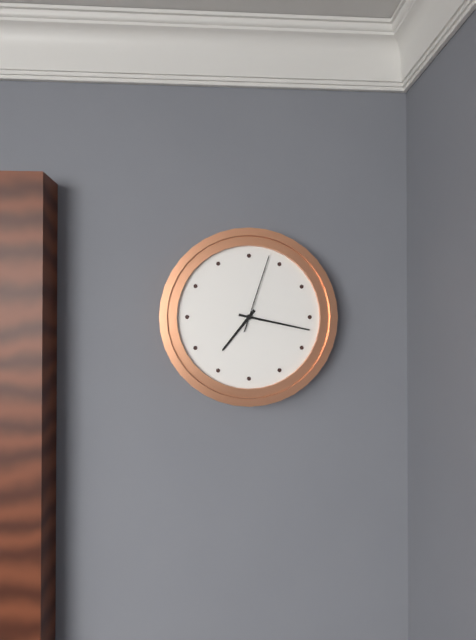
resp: 7h17m03s
